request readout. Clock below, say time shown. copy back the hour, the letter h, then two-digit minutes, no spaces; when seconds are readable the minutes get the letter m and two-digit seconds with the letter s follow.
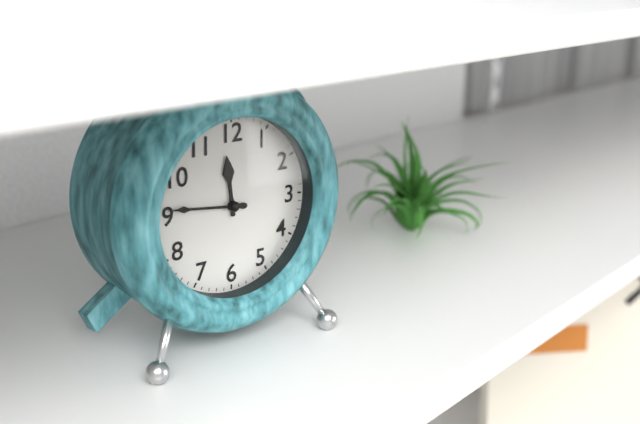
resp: 11h46
